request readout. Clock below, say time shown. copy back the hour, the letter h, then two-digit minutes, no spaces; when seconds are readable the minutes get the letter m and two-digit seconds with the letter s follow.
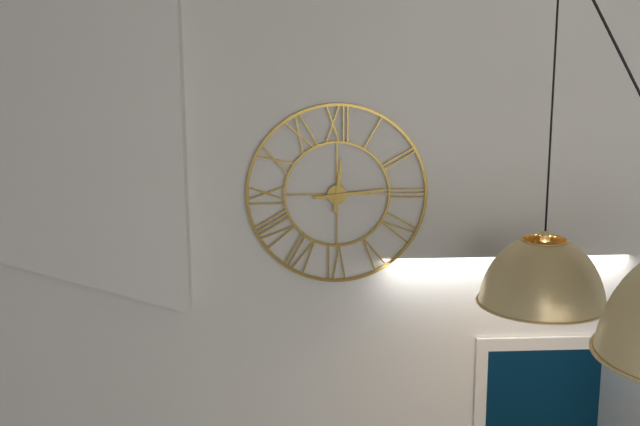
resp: 12h14
